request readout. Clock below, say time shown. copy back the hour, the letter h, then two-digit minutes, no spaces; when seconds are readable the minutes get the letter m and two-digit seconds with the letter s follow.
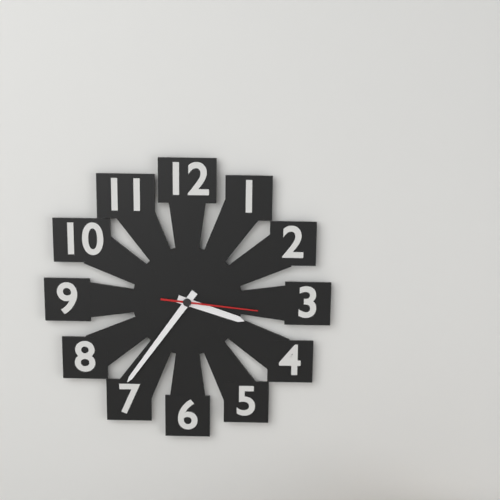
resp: 3h36m16s
